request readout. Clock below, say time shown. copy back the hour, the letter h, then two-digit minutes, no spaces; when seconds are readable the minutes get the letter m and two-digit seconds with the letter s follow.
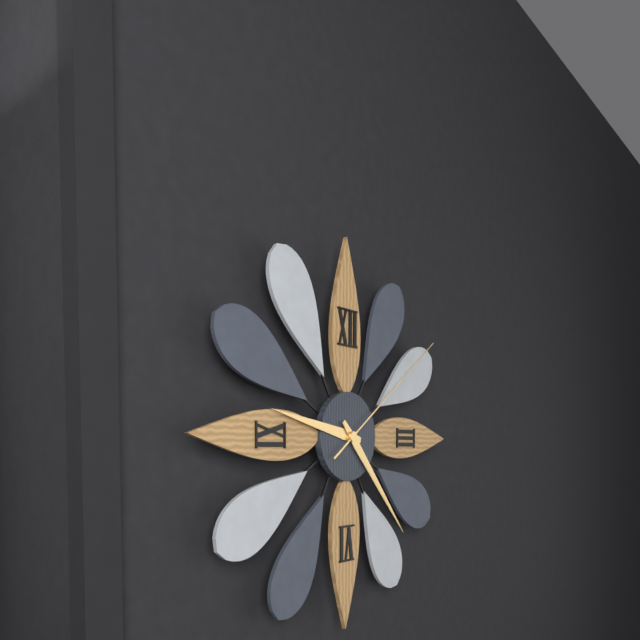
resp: 9h23m09s
